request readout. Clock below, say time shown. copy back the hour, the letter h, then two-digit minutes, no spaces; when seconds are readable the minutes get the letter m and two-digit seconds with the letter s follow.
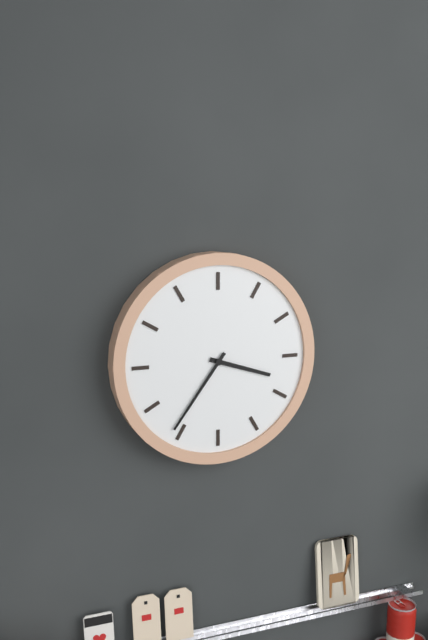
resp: 3h36
